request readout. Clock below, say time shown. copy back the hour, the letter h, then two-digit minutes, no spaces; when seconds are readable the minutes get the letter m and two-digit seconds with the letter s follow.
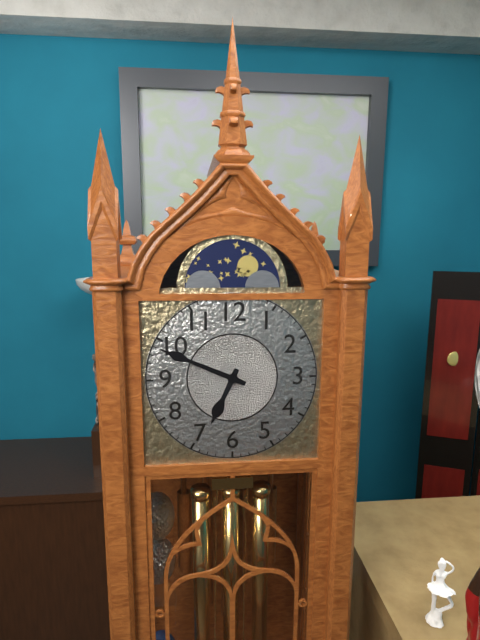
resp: 6h49
